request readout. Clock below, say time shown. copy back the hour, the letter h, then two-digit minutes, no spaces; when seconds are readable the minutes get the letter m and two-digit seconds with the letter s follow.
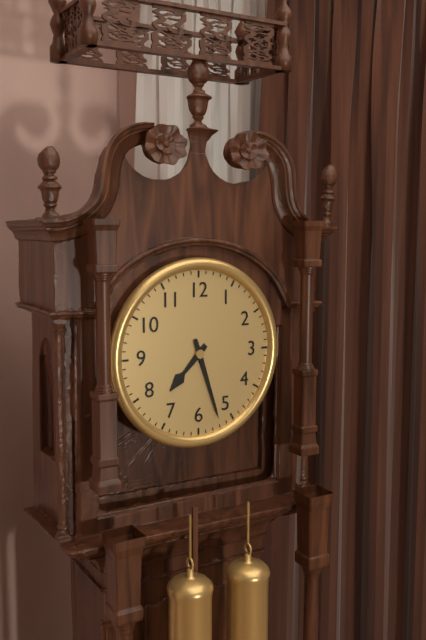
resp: 7h27
